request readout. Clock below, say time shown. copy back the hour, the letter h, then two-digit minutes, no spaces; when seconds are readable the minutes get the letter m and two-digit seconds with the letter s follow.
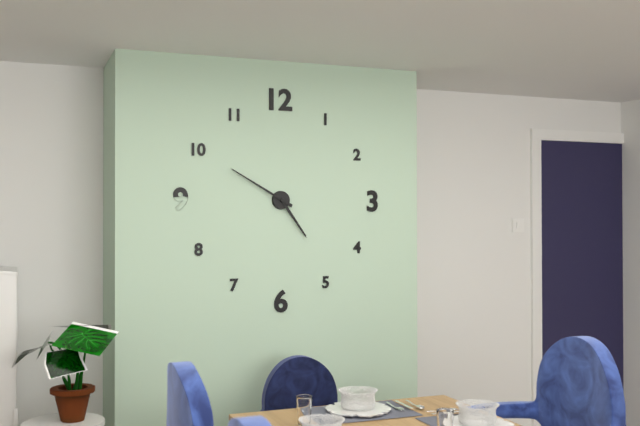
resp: 4h50
